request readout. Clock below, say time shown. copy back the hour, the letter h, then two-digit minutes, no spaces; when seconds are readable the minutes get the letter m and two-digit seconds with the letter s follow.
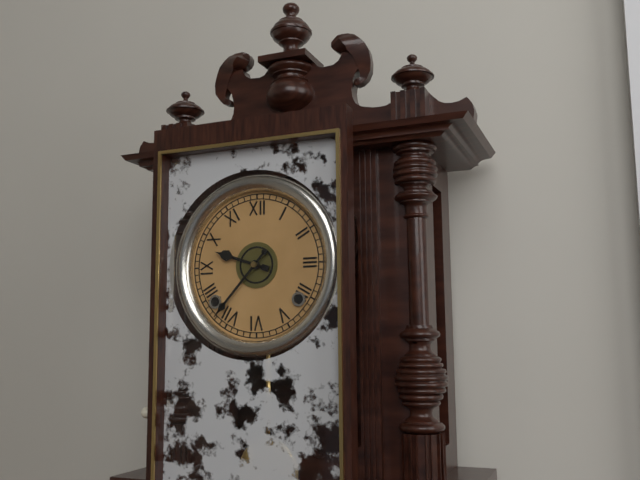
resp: 9h37
